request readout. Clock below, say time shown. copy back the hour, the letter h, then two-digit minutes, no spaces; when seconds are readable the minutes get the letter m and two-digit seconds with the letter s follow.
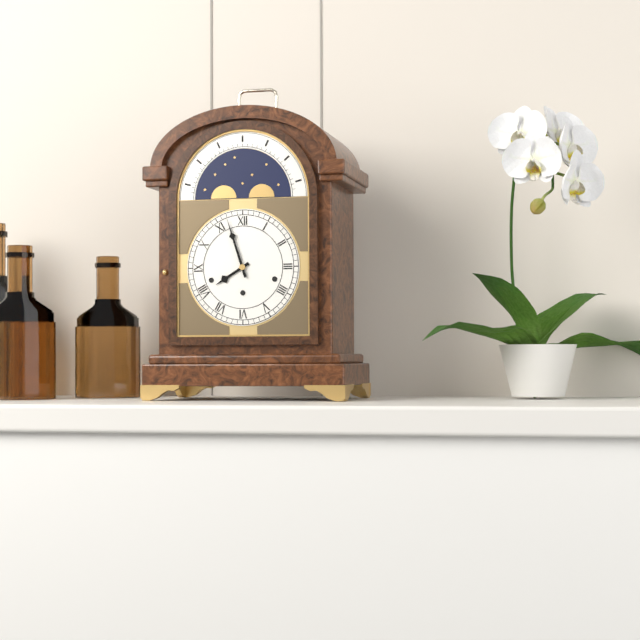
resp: 7h57
